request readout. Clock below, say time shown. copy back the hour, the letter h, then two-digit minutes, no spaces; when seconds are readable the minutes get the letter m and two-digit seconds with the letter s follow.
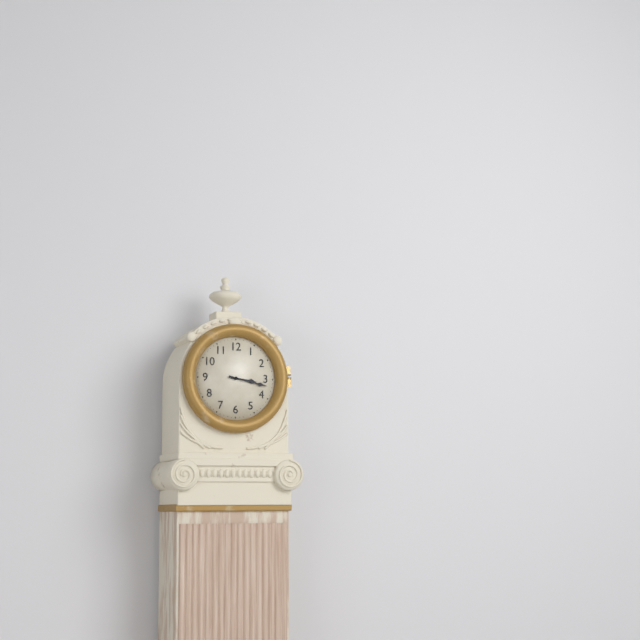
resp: 3h17
